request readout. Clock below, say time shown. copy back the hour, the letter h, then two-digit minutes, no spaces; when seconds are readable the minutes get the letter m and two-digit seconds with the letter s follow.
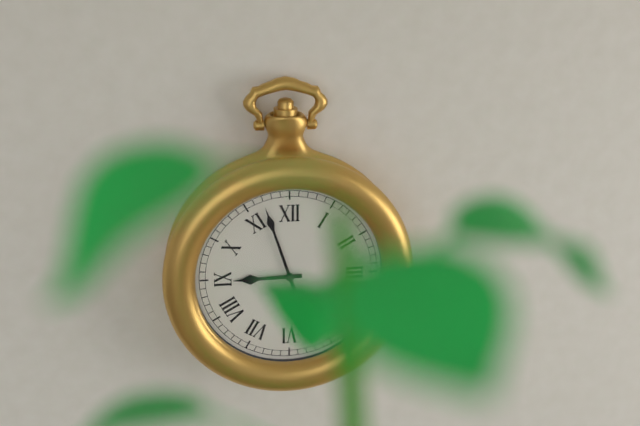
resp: 8h57
